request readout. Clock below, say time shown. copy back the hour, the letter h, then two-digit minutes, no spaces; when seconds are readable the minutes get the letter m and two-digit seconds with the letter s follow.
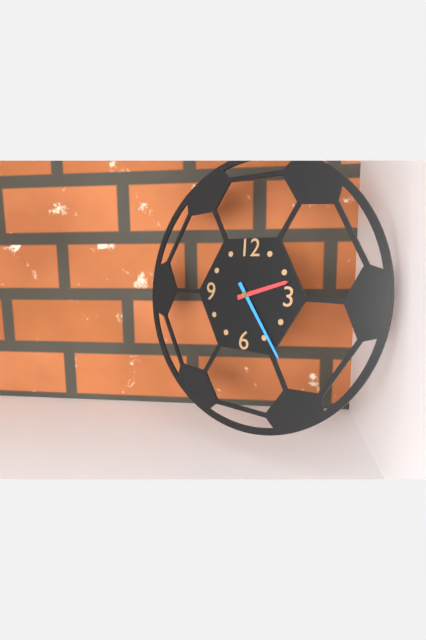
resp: 2h24
